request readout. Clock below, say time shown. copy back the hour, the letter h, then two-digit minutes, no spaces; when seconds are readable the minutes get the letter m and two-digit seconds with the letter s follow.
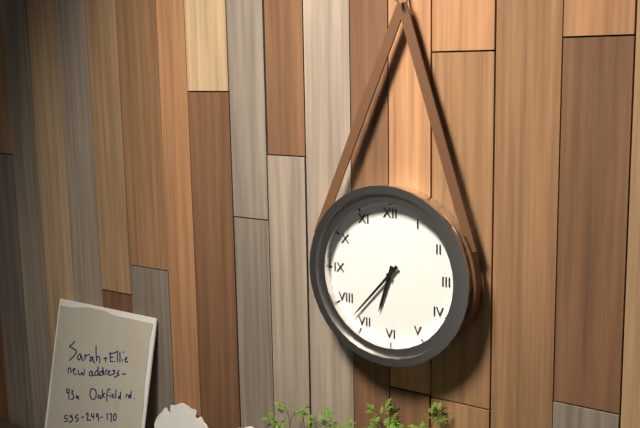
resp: 6h37
